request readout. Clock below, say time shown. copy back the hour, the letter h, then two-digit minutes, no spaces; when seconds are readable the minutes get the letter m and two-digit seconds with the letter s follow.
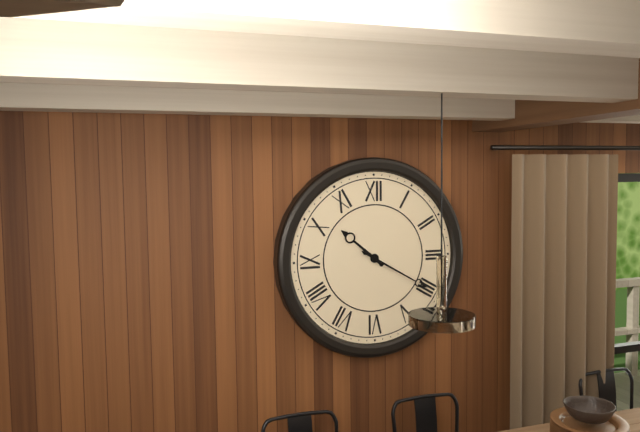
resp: 10h20
